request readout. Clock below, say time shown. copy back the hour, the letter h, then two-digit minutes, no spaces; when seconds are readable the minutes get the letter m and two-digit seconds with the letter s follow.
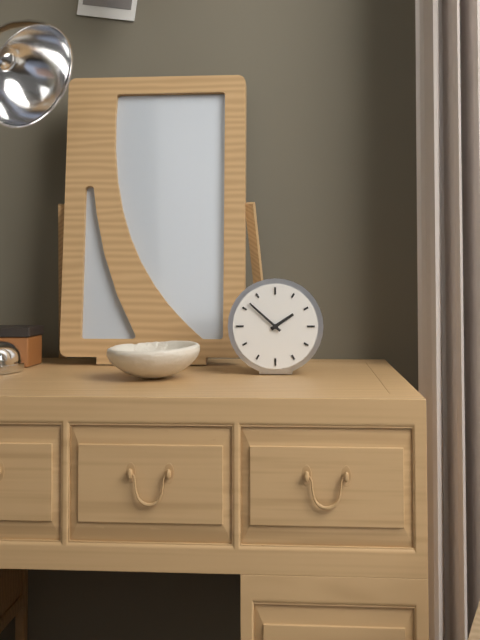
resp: 1h52
